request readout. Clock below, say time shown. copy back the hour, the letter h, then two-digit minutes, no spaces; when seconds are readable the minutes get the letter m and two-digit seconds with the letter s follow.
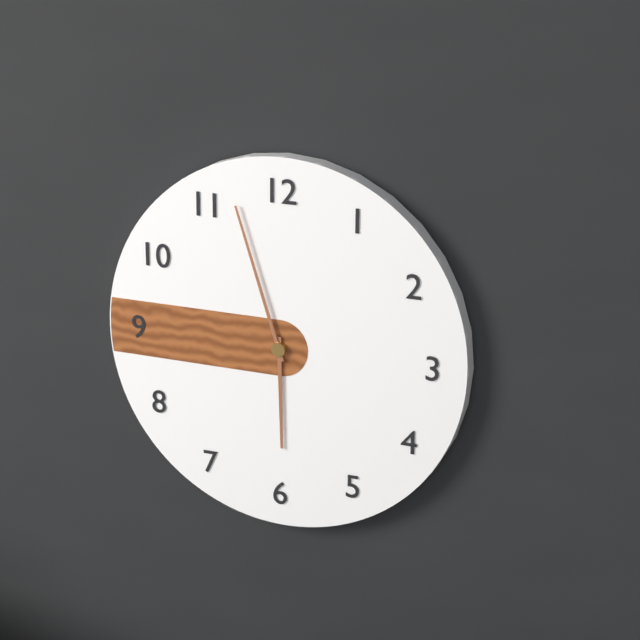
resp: 5h57
